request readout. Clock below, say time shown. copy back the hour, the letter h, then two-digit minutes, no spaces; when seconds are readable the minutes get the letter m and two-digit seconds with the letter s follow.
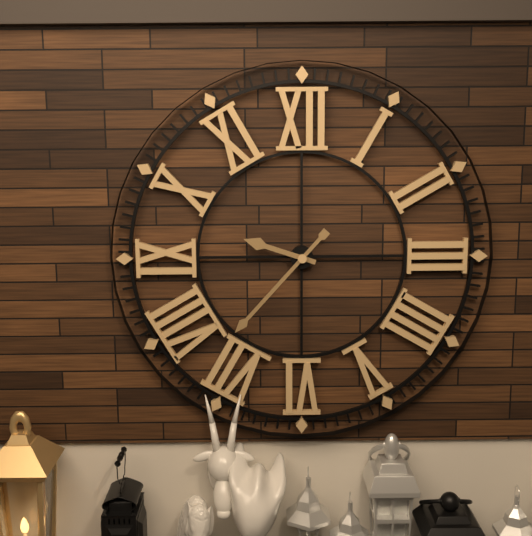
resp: 9h37
